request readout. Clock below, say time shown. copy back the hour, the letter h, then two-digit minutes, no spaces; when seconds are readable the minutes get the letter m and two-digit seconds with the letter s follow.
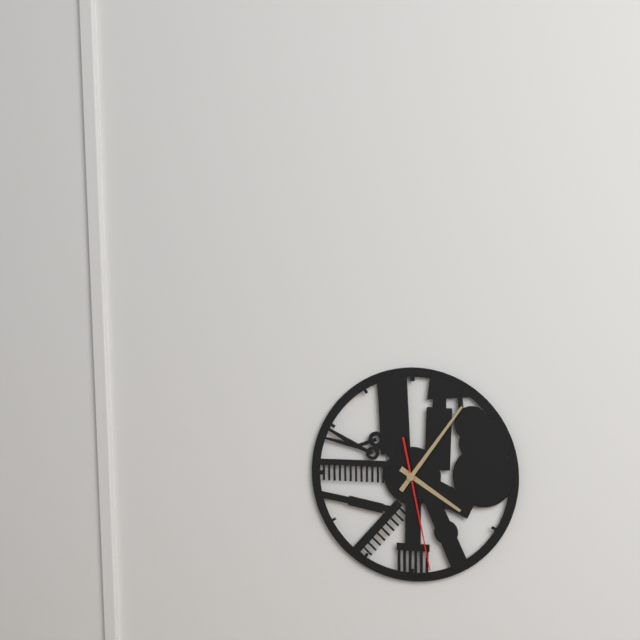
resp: 4h06m28s
